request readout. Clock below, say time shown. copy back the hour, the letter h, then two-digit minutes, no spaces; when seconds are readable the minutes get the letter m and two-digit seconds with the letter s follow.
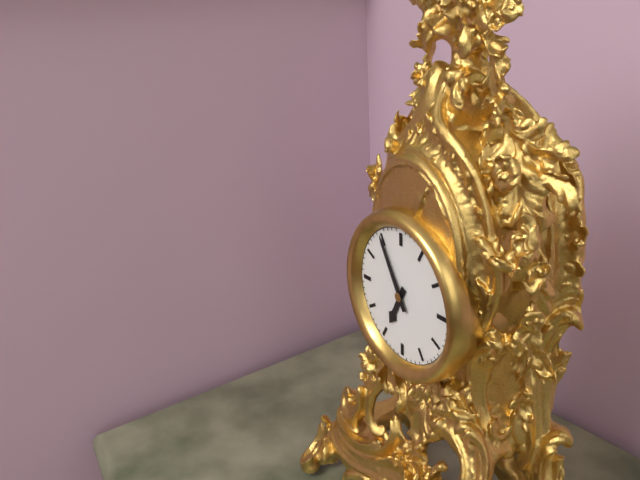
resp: 6h55
